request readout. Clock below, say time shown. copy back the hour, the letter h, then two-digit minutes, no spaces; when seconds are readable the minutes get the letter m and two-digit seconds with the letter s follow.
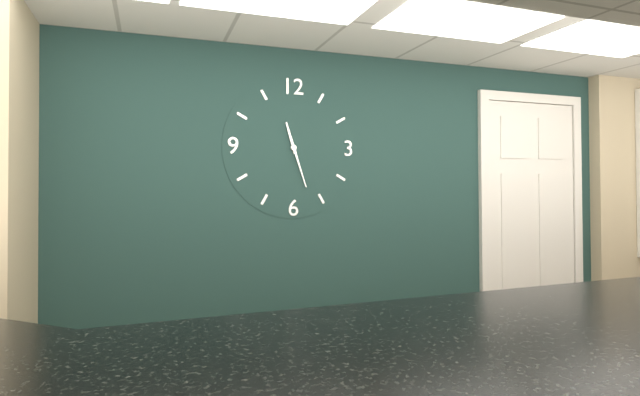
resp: 11h27
